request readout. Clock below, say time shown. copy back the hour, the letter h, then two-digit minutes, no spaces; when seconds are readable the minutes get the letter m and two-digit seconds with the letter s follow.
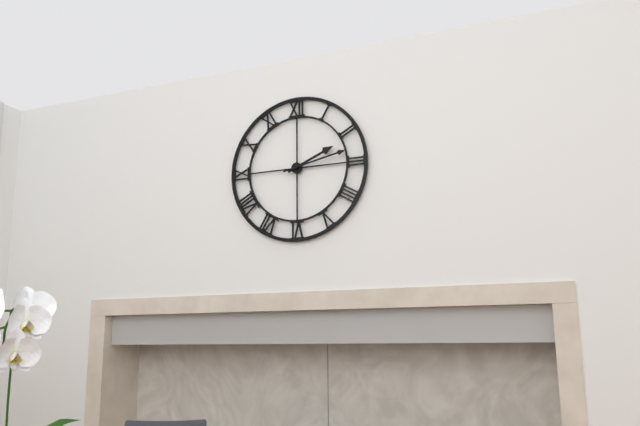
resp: 2h13
